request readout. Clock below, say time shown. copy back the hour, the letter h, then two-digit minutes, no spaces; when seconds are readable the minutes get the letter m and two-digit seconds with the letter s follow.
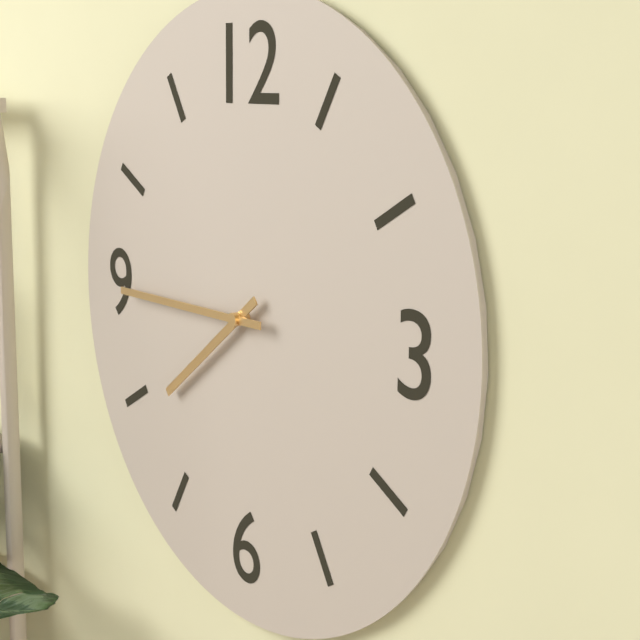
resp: 7h45
